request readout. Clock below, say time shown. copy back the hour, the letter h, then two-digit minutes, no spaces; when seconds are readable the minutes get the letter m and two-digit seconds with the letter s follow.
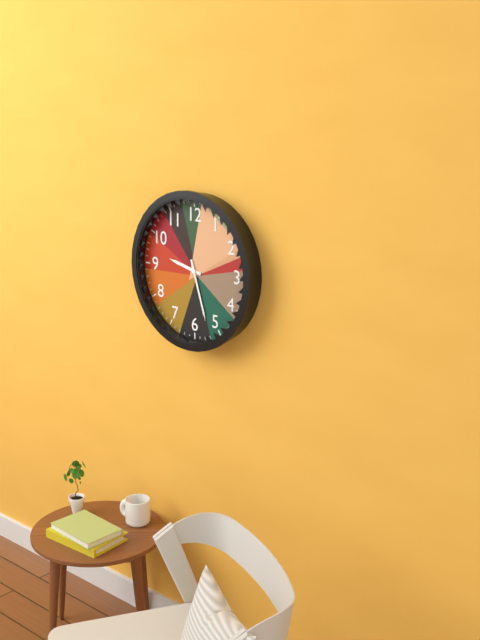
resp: 9h27
